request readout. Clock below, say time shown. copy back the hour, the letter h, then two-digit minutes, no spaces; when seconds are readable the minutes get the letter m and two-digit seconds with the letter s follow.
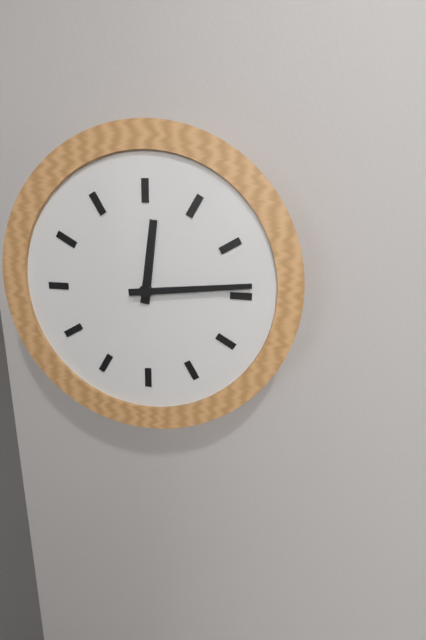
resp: 12h14
